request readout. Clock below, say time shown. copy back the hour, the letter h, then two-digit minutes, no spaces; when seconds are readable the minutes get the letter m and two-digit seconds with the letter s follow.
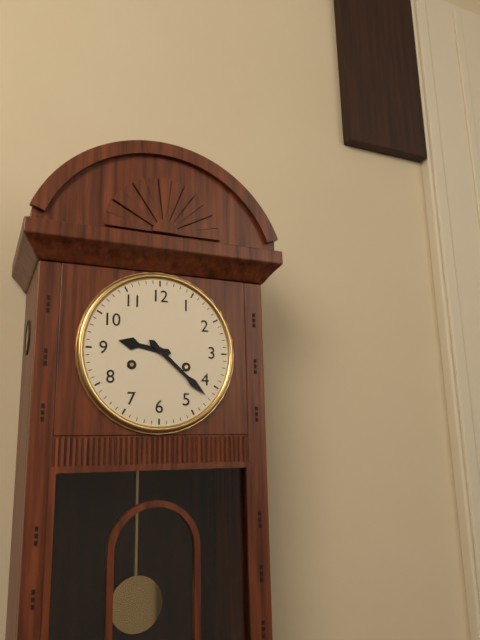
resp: 9h22
